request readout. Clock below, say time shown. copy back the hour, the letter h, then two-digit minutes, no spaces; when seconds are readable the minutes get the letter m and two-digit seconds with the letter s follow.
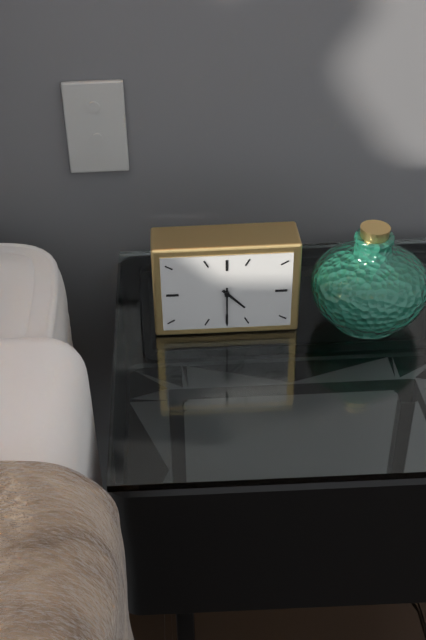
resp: 4h30
